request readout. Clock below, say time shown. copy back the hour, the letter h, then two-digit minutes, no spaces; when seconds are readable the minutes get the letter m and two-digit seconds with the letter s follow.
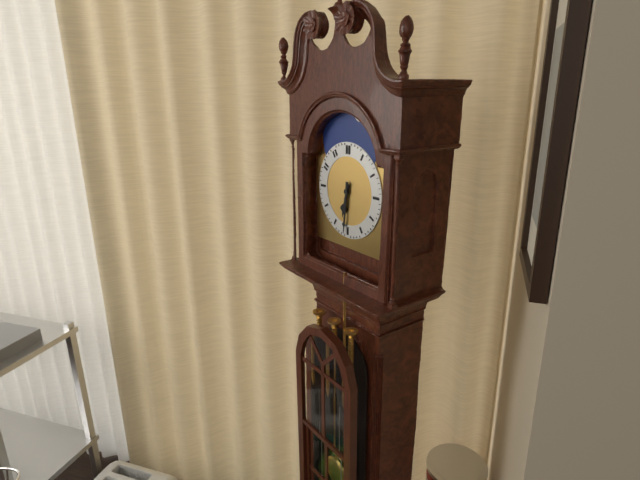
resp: 6h31
